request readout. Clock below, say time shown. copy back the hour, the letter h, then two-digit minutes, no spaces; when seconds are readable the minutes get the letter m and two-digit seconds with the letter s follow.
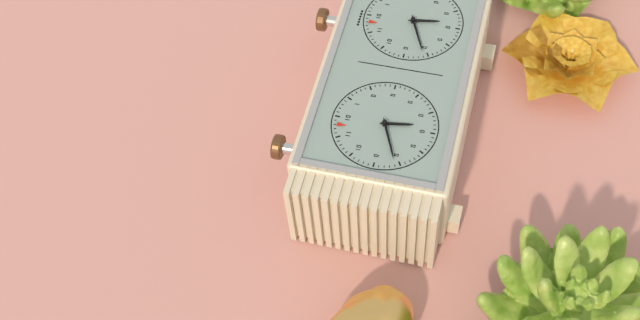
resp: 5h41
